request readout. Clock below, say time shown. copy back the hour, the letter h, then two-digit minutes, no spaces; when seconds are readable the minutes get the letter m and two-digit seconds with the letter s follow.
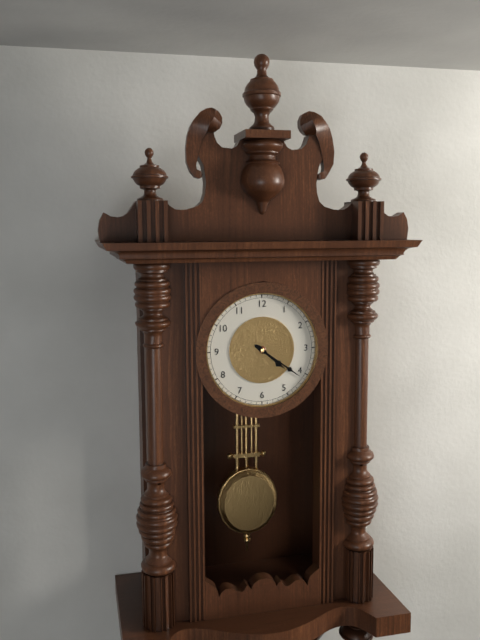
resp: 4h21
